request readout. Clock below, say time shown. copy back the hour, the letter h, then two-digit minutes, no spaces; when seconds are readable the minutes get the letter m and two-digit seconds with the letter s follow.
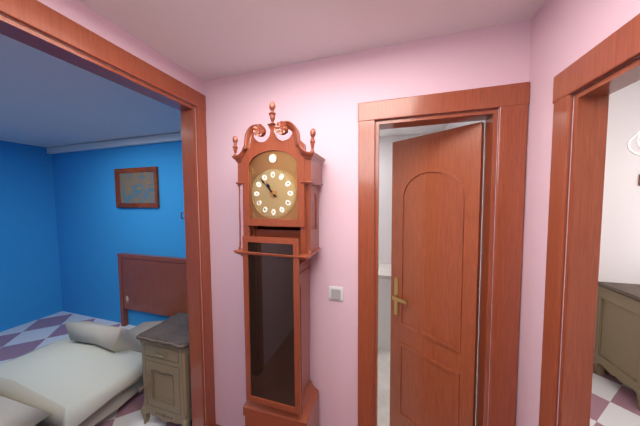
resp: 10h53
